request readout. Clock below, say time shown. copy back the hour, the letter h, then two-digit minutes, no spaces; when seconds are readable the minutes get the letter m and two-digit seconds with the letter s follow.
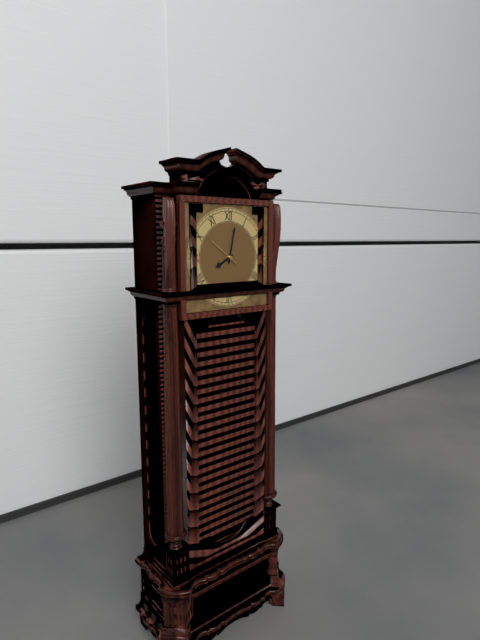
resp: 8h02
